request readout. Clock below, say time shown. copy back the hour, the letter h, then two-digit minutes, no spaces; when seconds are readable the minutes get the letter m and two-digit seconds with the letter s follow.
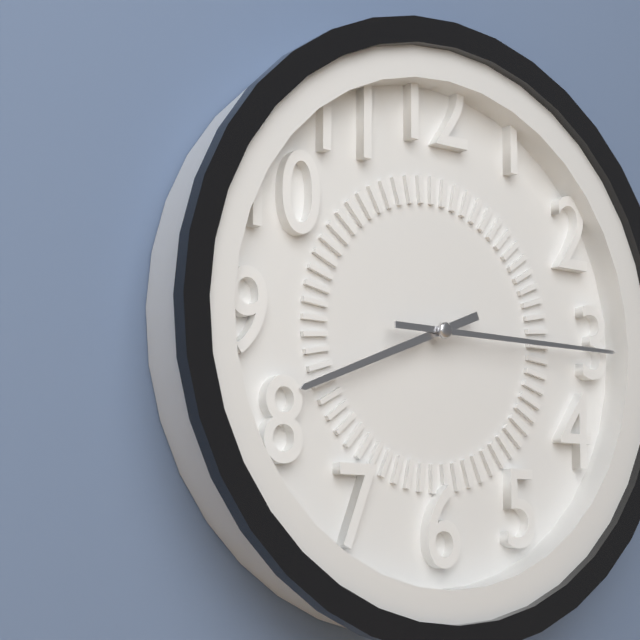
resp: 8h15
